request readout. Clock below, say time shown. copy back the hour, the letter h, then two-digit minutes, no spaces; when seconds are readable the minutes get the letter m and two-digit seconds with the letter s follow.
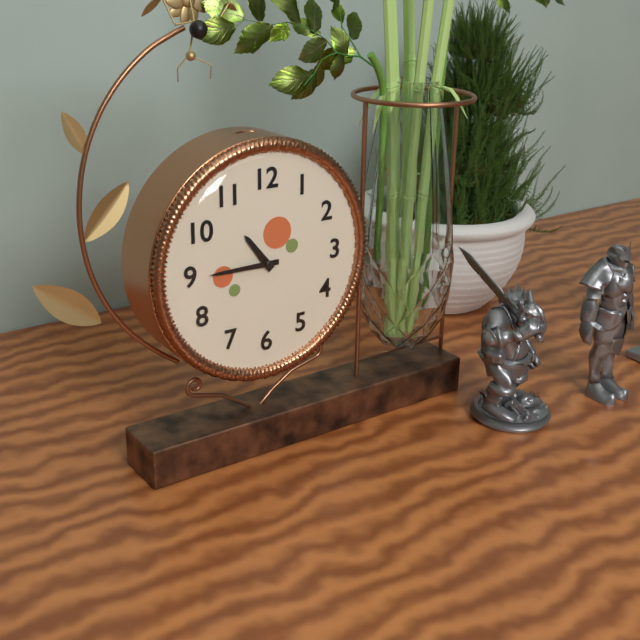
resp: 10h45
